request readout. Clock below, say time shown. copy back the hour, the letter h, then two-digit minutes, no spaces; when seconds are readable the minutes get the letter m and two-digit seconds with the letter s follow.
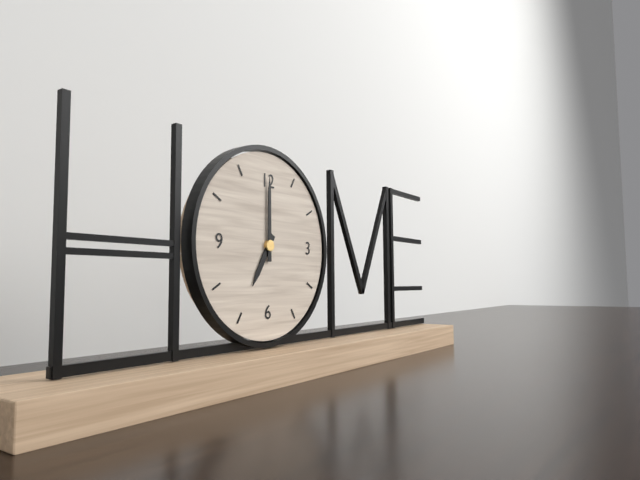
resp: 7h00
